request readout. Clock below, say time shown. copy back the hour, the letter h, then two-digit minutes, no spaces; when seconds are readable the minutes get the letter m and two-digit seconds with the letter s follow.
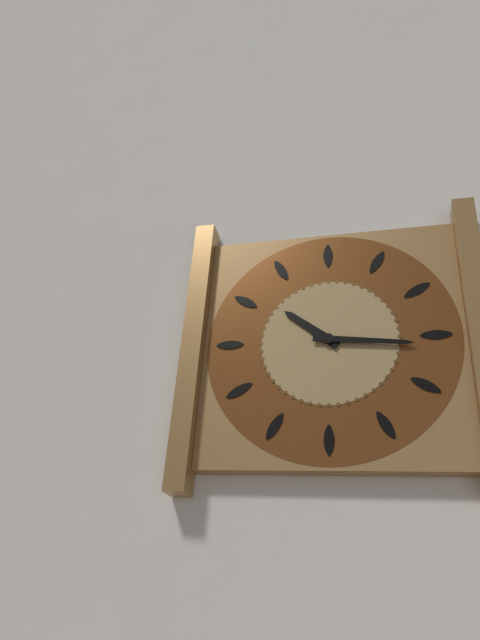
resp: 10h16
